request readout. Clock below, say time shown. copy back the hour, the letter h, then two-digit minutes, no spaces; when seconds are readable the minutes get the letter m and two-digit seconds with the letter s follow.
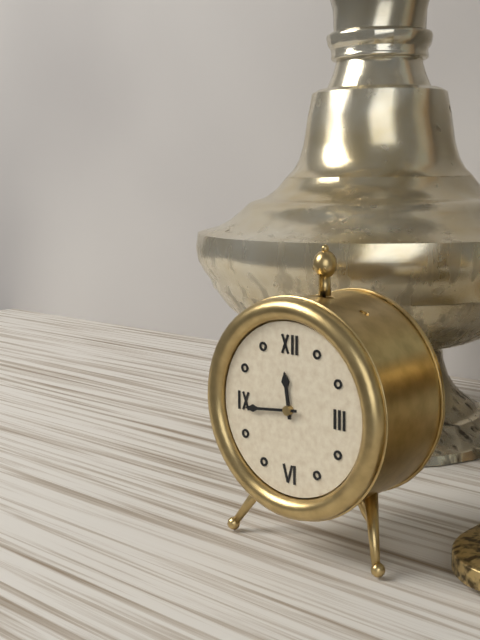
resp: 11h44
